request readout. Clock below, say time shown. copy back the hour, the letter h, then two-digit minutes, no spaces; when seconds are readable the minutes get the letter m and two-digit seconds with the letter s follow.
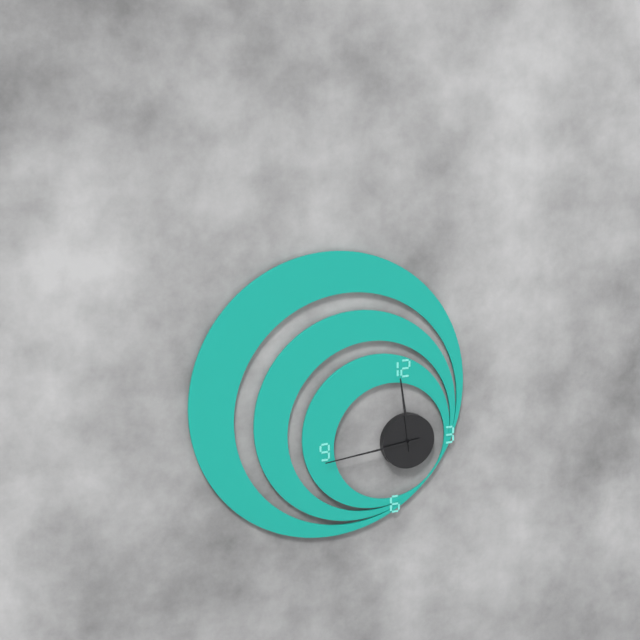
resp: 11h44
